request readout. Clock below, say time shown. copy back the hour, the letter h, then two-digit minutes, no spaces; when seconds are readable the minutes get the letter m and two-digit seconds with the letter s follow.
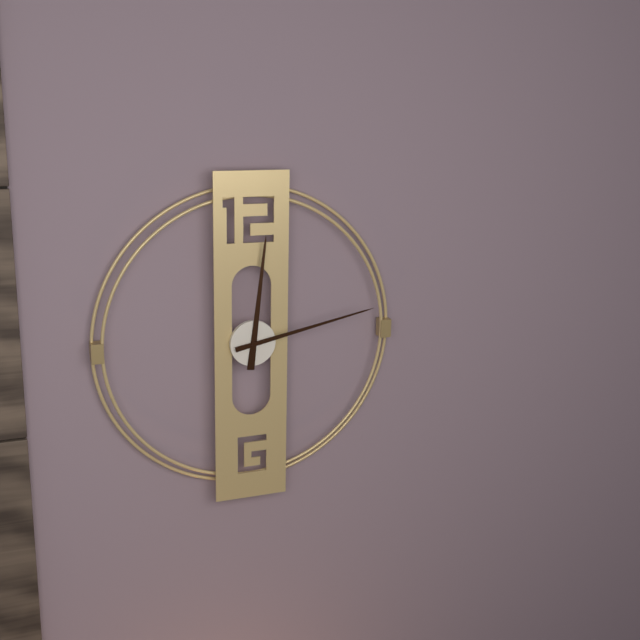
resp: 12h13
